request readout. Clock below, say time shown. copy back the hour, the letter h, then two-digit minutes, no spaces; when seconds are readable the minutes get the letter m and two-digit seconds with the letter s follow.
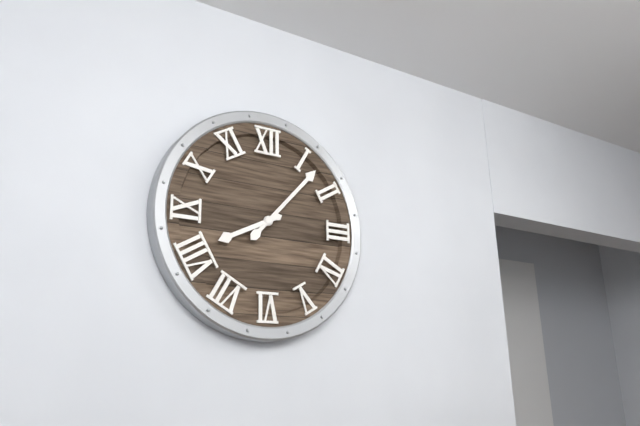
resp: 8h07
